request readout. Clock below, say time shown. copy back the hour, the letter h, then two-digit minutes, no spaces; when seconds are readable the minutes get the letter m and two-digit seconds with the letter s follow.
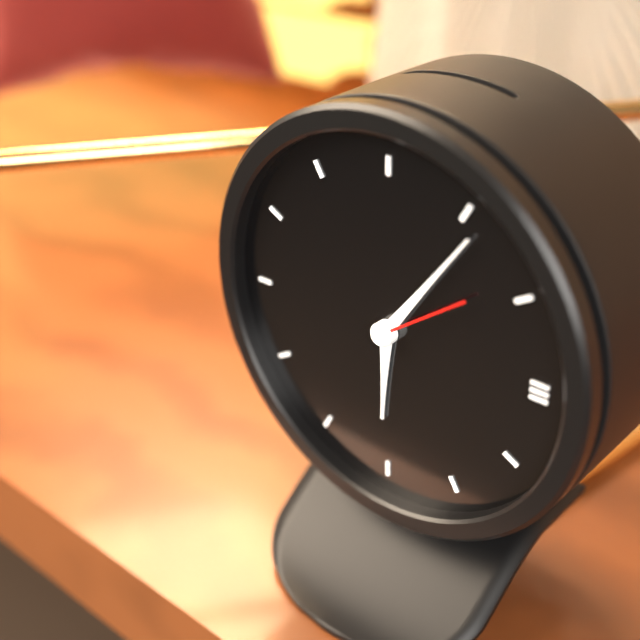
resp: 6h06m09s
